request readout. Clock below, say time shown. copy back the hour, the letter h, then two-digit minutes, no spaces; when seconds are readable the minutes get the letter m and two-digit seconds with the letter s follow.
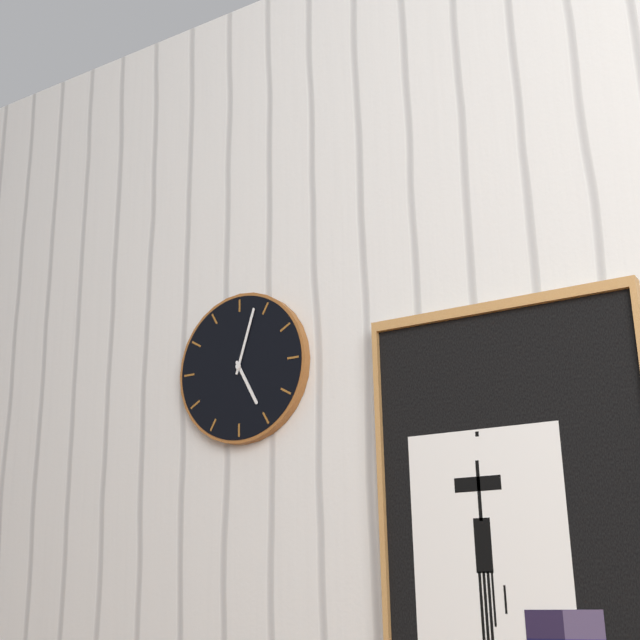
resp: 5h03
